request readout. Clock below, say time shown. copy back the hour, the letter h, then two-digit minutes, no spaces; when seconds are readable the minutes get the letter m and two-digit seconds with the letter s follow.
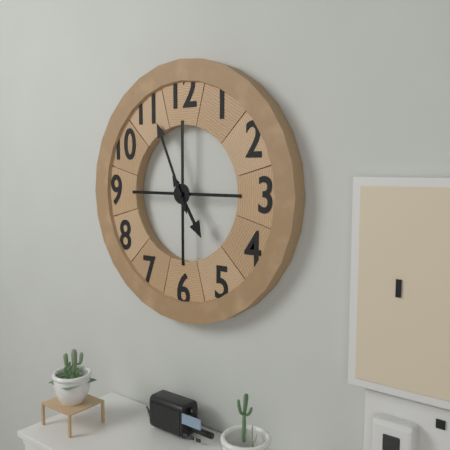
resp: 4h56
